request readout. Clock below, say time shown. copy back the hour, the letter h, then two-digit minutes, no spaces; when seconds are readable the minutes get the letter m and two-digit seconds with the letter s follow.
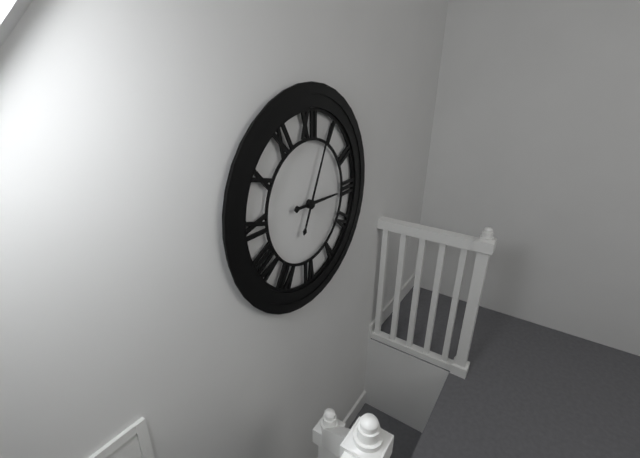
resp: 3h04
